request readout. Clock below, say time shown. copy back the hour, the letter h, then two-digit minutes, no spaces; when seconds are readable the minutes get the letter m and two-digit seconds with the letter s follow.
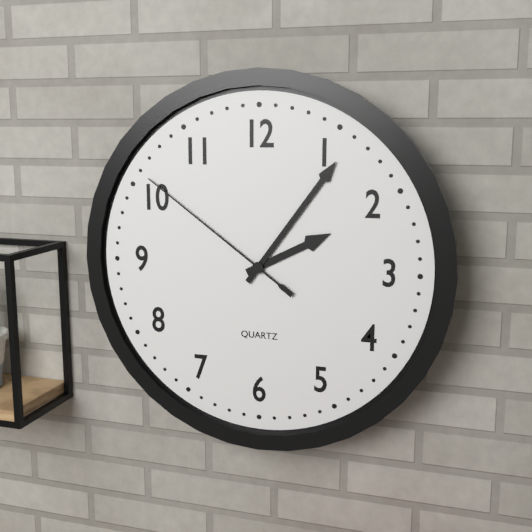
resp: 2h06m51s
